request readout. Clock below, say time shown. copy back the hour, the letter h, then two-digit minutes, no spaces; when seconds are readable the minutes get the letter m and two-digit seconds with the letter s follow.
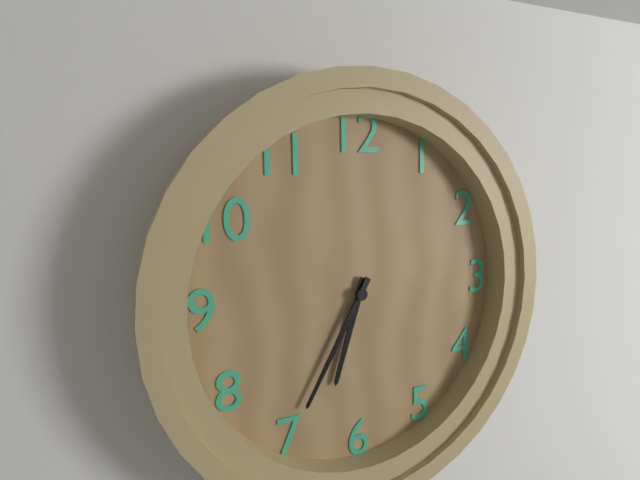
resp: 6h35
